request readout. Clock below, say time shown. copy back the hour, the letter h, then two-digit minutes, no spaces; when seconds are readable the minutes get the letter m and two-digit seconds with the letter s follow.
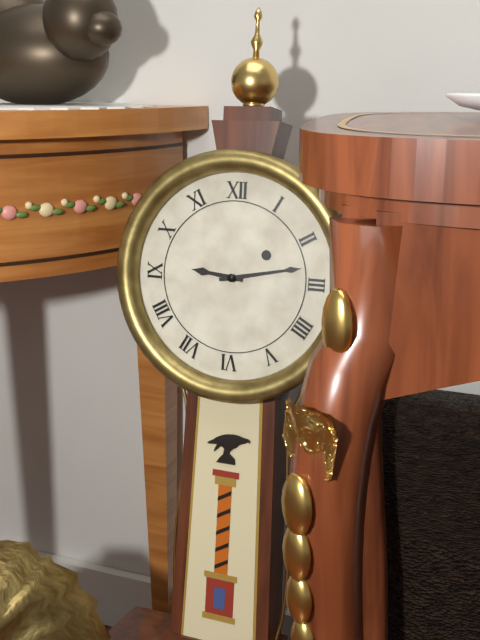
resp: 9h13
